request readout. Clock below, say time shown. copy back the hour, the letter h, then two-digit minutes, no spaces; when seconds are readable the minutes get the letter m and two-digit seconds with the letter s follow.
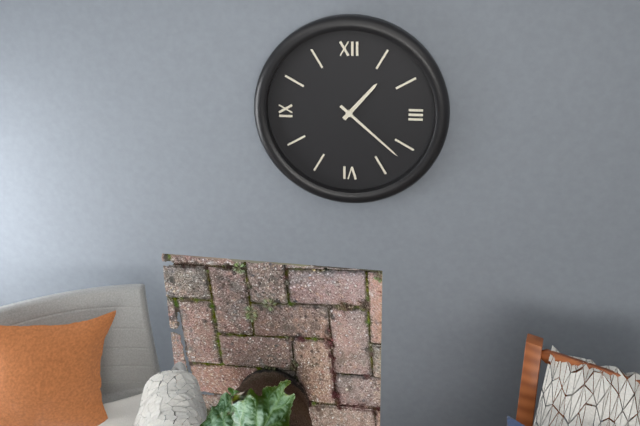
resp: 1h22
